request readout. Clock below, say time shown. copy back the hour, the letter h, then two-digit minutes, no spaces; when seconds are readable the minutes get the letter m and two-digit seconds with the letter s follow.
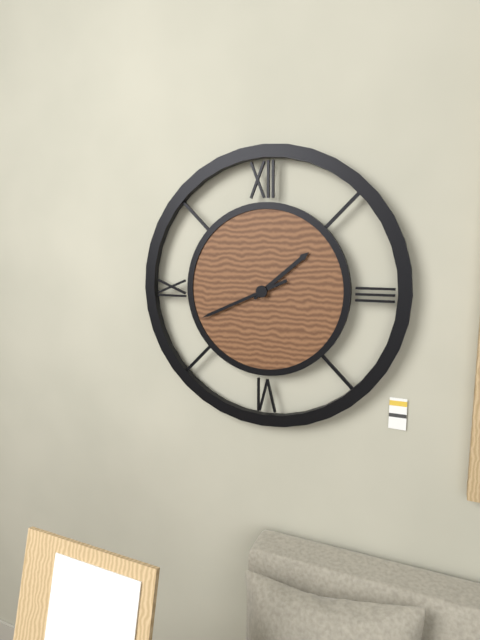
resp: 1h41
